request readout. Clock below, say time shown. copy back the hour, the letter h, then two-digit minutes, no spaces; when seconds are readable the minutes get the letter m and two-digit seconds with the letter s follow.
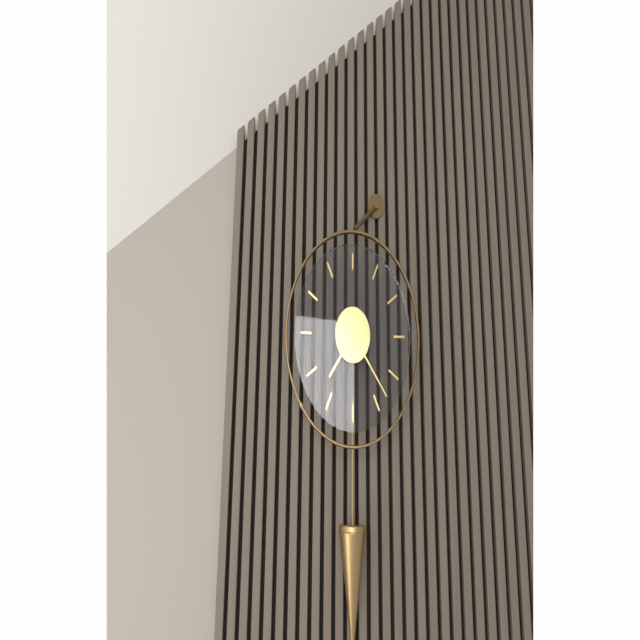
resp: 7h23
